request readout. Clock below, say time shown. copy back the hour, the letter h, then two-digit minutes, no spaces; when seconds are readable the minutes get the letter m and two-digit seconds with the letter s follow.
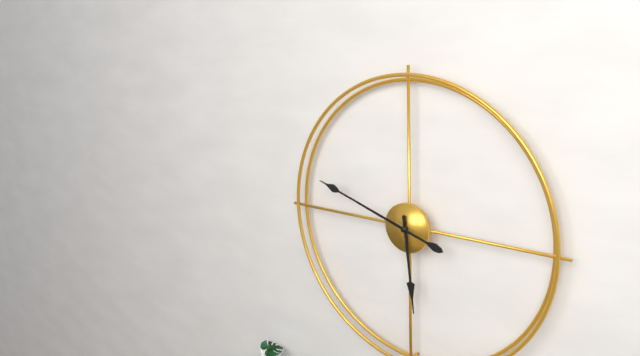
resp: 5h48
